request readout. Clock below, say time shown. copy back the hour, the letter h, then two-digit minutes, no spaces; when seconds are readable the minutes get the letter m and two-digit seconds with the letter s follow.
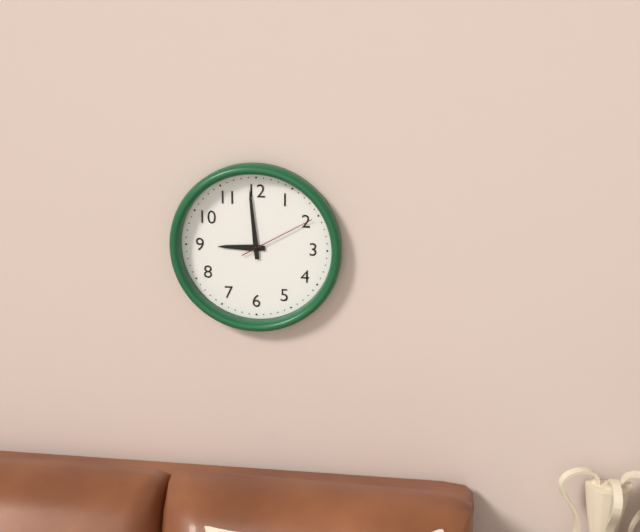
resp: 8h59m10s
